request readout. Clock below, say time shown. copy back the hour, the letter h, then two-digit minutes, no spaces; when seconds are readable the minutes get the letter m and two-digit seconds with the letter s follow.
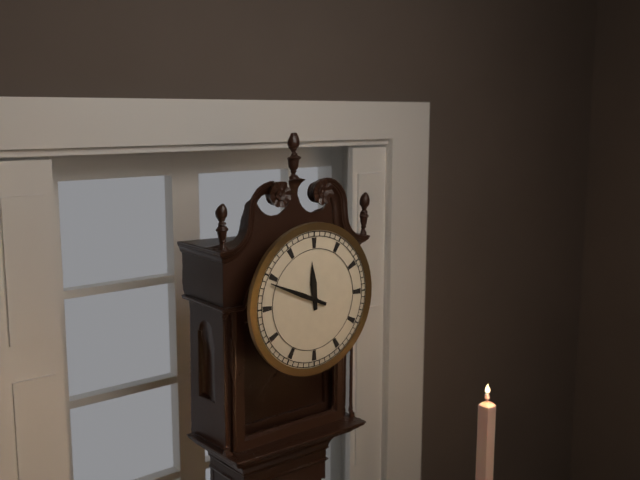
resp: 11h49
